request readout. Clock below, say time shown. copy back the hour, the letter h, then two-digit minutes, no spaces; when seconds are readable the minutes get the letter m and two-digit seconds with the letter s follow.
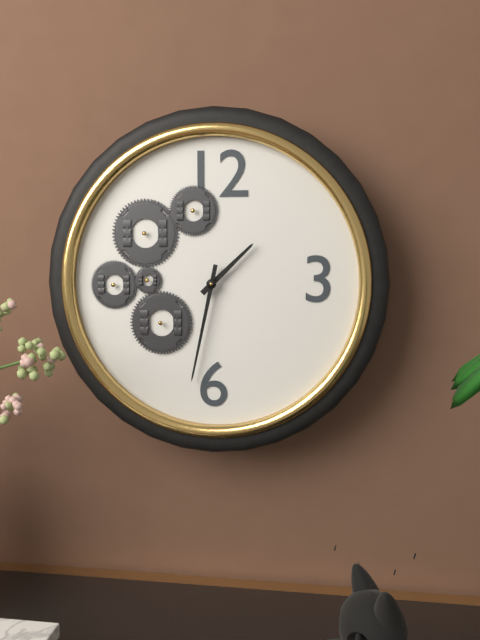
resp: 1h32
